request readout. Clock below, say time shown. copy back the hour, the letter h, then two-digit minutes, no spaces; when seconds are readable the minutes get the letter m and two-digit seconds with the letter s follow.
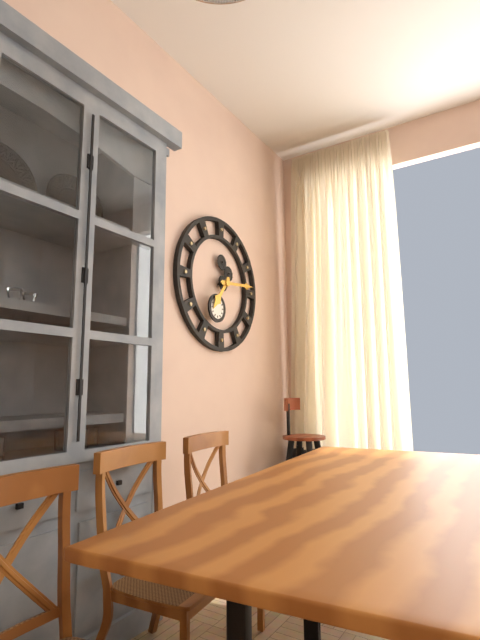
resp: 7h14
